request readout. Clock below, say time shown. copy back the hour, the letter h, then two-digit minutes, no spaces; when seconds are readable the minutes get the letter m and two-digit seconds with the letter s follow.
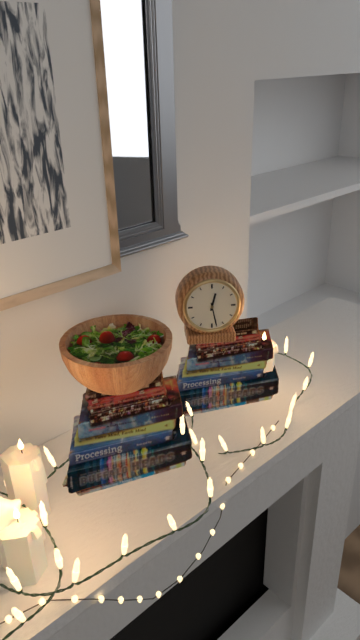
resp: 12h28
